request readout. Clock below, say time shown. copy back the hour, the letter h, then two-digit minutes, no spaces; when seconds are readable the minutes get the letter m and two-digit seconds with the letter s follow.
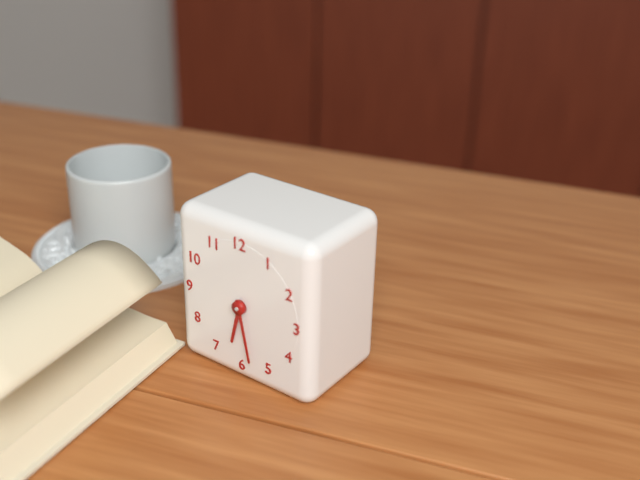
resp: 6h28
